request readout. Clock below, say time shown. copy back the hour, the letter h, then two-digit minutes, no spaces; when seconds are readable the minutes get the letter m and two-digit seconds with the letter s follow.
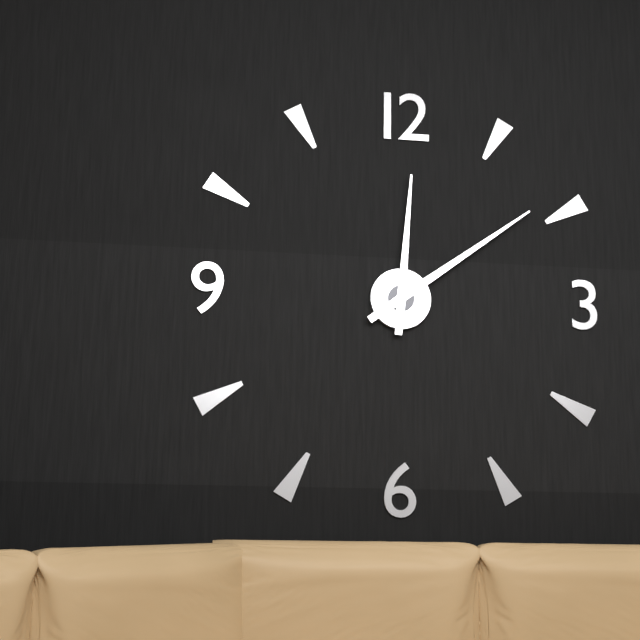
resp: 12h09
